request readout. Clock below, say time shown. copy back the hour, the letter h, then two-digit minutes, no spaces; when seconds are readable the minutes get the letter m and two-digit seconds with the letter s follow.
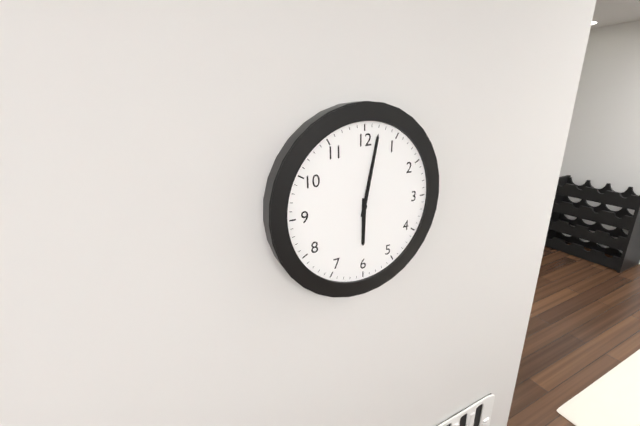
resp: 6h02
